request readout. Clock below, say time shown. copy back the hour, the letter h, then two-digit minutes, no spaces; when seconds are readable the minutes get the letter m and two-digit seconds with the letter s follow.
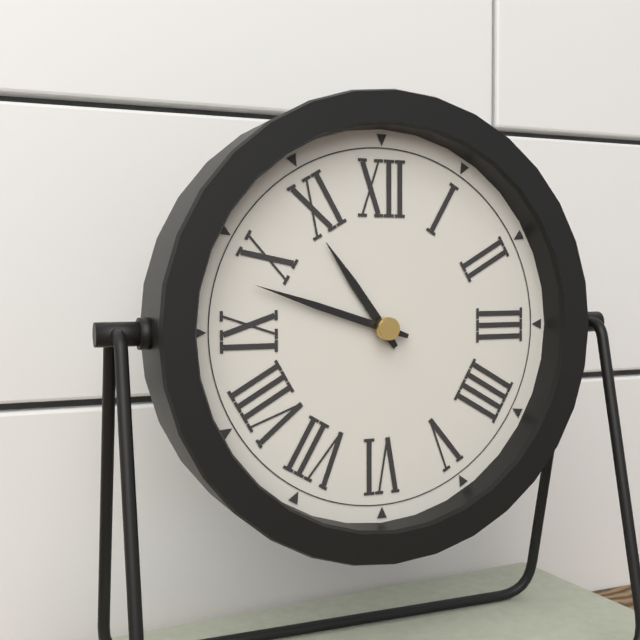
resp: 10h48
